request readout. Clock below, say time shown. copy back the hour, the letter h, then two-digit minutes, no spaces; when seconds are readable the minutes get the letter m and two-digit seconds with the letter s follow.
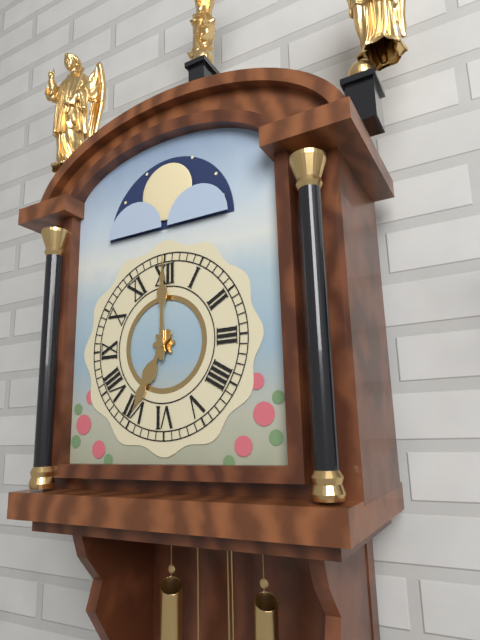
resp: 7h00
